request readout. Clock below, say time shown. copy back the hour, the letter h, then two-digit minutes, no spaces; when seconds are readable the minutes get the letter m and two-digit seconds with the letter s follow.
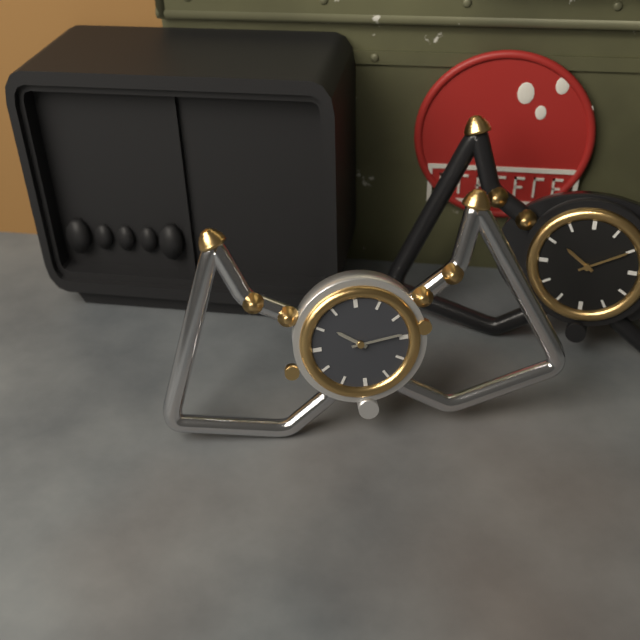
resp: 10h14
